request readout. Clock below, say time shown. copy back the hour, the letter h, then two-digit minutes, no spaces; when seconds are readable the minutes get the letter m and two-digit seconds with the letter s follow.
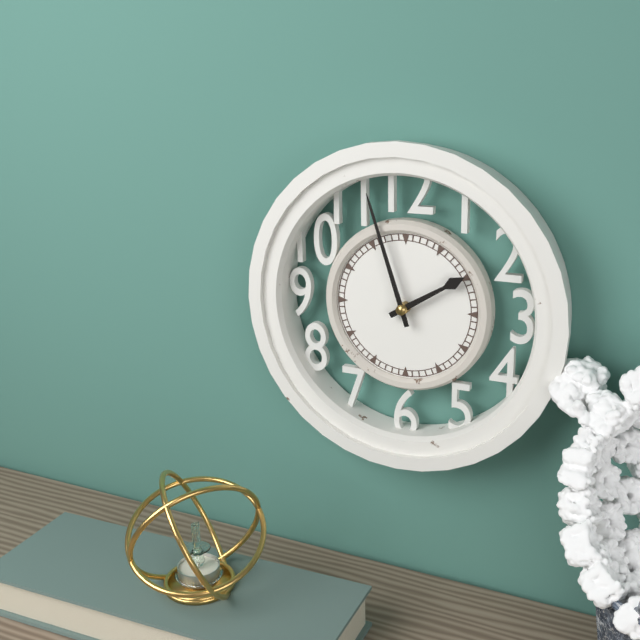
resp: 1h57
